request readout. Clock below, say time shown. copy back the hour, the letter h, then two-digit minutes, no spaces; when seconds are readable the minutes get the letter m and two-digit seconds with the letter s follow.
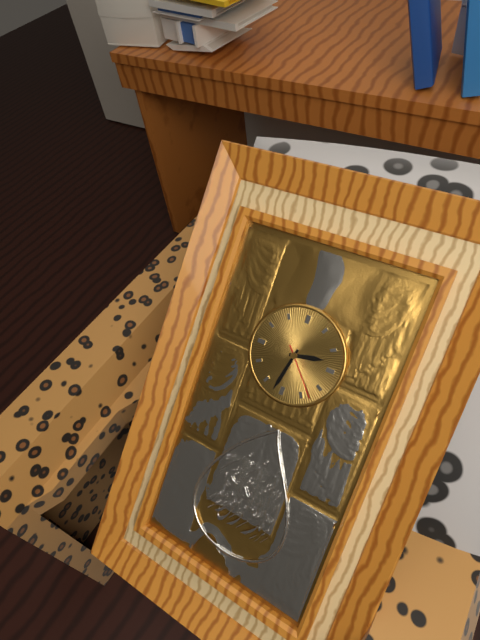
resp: 2h32m23s
